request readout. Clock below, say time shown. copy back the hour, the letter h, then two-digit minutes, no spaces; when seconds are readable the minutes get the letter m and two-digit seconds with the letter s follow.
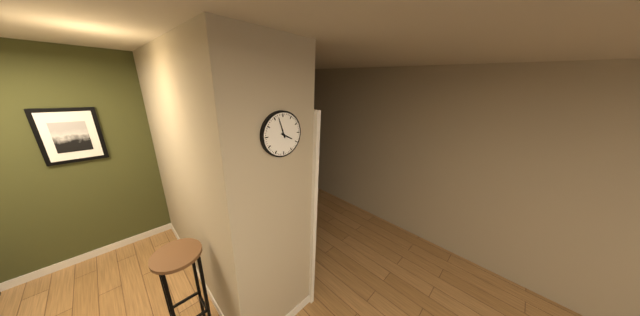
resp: 3h57
